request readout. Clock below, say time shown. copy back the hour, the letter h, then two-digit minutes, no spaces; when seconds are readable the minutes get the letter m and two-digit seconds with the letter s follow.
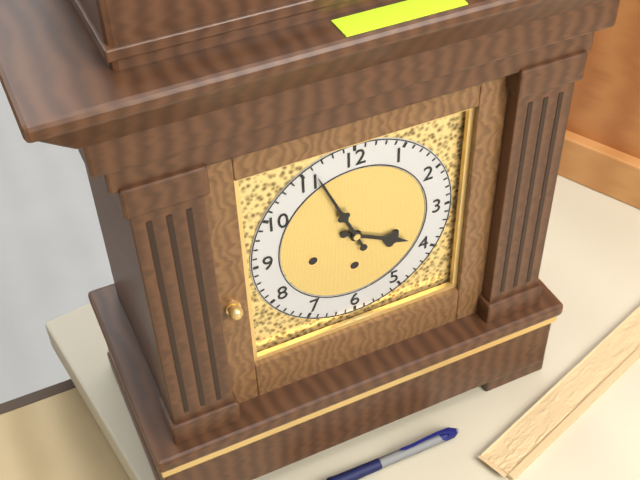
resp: 3h56
